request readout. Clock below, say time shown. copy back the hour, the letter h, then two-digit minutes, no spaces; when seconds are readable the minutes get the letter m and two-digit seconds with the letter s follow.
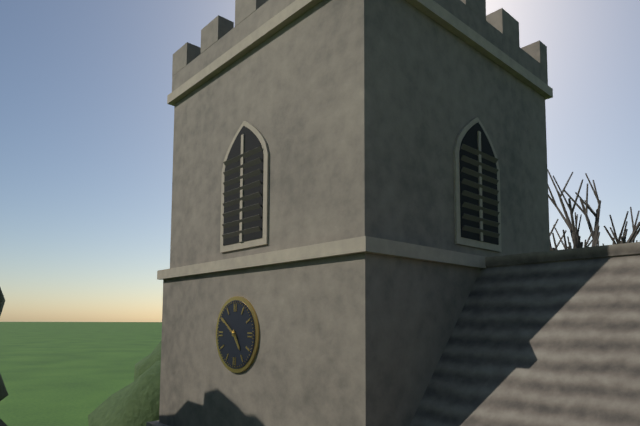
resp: 4h51
